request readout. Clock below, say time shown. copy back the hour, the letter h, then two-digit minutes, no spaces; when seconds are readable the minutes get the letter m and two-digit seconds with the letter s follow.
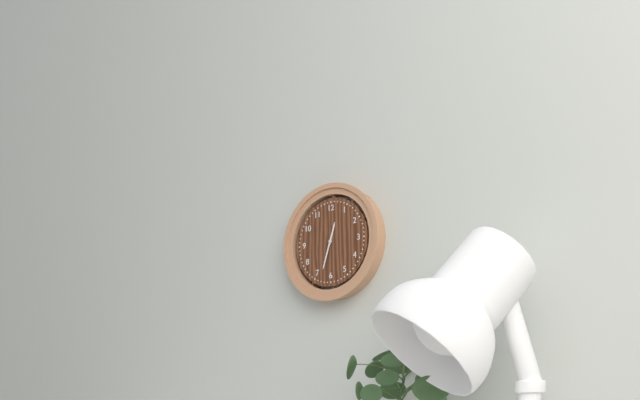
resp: 12h33
